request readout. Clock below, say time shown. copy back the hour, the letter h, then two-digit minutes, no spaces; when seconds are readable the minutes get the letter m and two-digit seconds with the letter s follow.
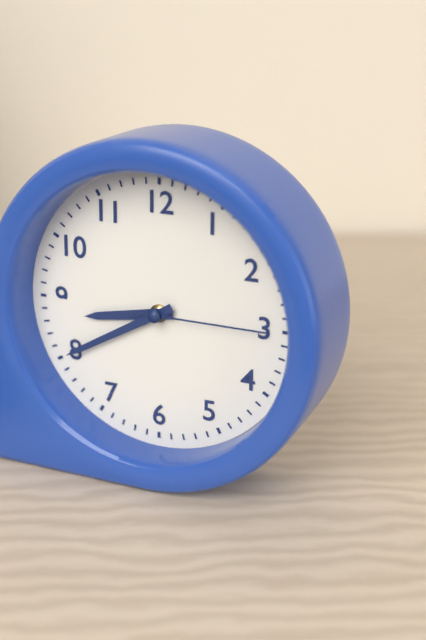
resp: 8h40m15s
